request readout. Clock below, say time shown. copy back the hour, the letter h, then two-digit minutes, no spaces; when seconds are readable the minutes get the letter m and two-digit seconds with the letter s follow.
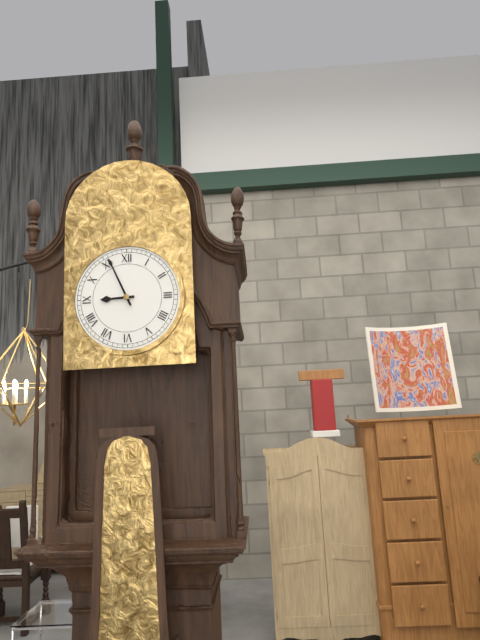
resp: 8h56
